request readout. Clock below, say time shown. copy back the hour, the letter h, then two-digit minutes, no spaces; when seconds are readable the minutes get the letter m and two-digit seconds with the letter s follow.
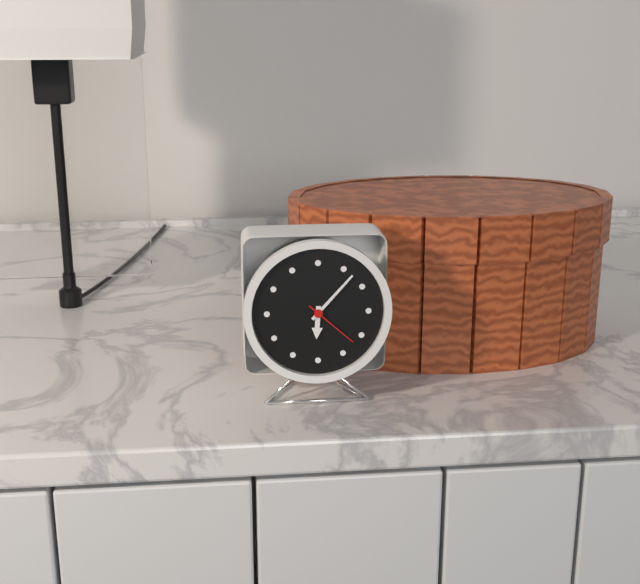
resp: 6h07m22s
